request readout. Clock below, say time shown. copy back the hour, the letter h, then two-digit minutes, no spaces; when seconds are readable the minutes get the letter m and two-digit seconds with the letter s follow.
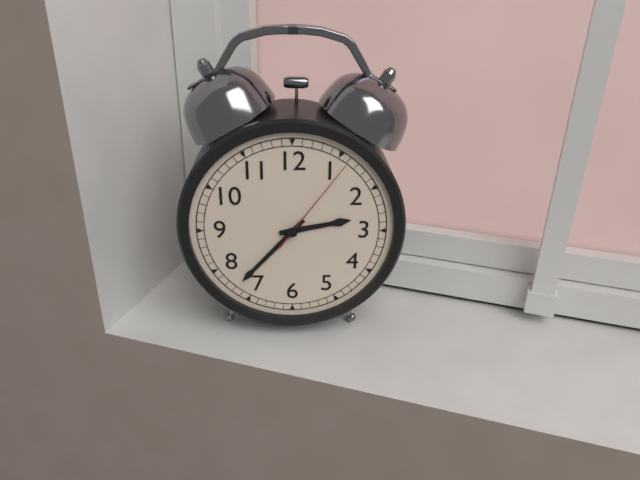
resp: 2h37m06s
